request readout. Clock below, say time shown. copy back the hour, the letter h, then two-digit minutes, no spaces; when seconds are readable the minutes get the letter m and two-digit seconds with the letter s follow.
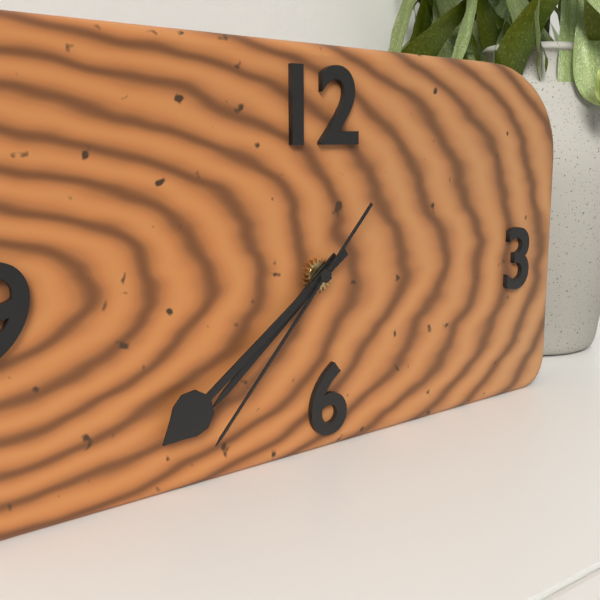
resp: 7h39m37s
